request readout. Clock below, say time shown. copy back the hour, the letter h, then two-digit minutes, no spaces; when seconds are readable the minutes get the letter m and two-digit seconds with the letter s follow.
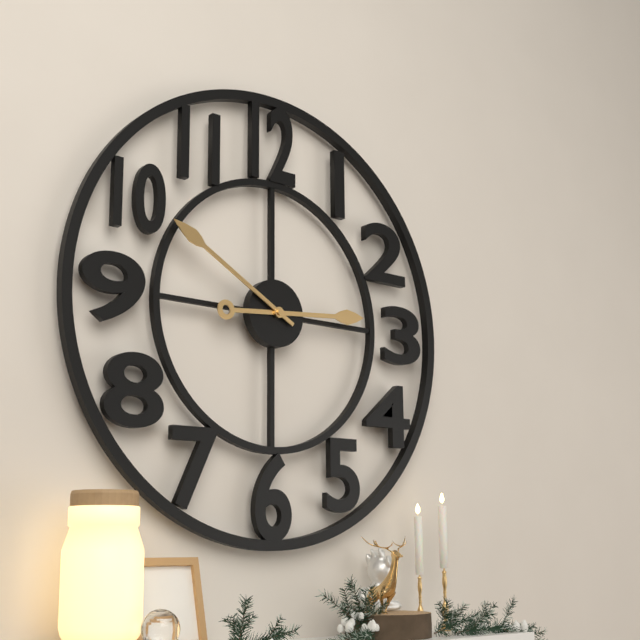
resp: 2h50
